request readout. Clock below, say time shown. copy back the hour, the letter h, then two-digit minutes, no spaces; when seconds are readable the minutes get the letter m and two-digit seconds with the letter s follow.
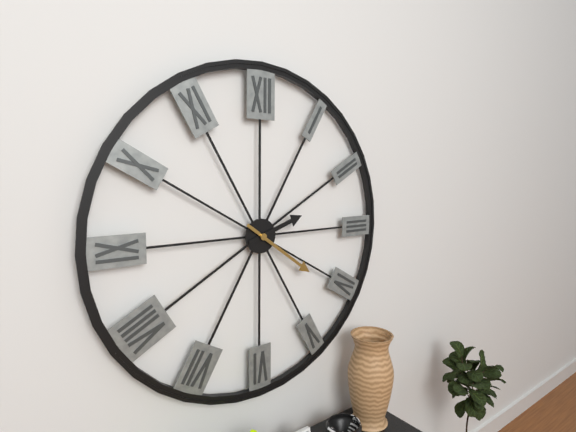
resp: 2h21
